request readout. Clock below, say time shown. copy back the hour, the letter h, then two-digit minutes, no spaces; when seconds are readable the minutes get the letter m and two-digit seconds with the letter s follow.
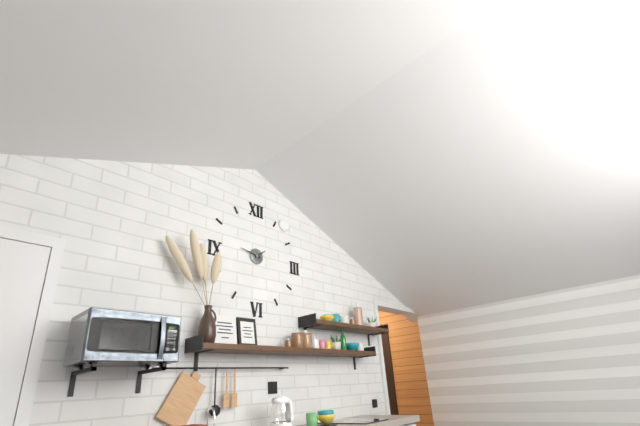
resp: 1h47
